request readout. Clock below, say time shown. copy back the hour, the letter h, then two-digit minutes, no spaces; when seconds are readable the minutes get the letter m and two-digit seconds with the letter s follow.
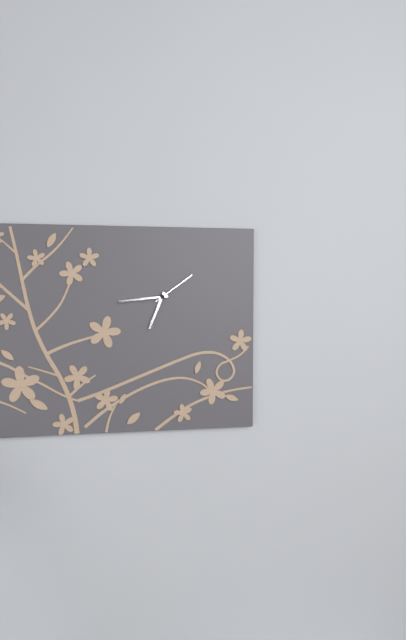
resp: 6h44
